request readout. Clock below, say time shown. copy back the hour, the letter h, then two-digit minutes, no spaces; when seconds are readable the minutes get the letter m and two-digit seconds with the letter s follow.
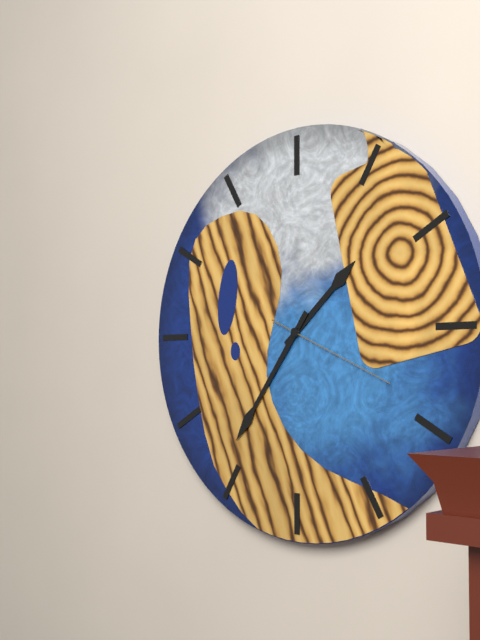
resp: 1h36m19s
